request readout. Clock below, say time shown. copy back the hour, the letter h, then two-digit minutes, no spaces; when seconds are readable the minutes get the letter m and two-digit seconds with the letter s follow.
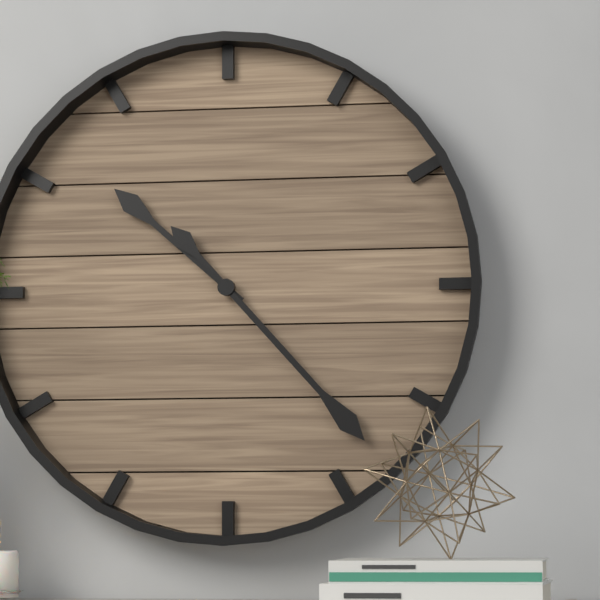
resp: 10h23
